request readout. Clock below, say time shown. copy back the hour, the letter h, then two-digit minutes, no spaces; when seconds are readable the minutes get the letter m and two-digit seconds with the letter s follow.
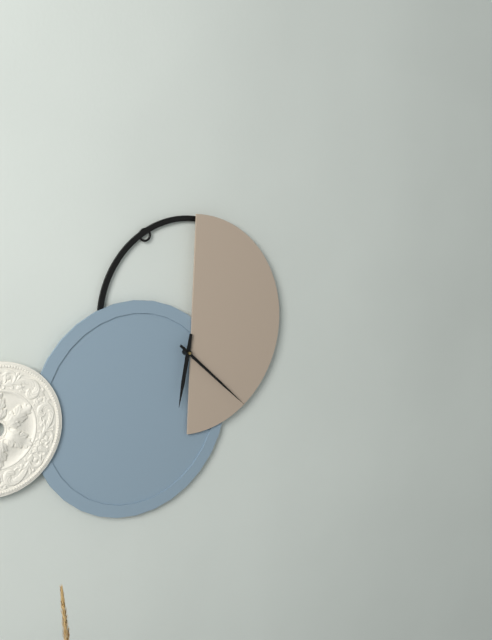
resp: 6h22
